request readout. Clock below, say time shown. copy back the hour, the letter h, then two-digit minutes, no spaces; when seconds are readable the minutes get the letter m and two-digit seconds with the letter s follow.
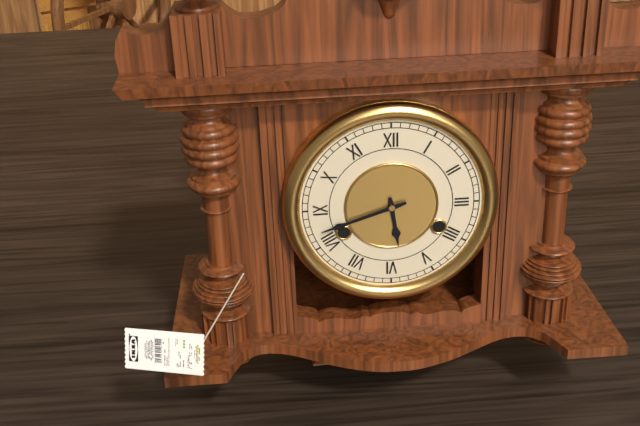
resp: 5h42
